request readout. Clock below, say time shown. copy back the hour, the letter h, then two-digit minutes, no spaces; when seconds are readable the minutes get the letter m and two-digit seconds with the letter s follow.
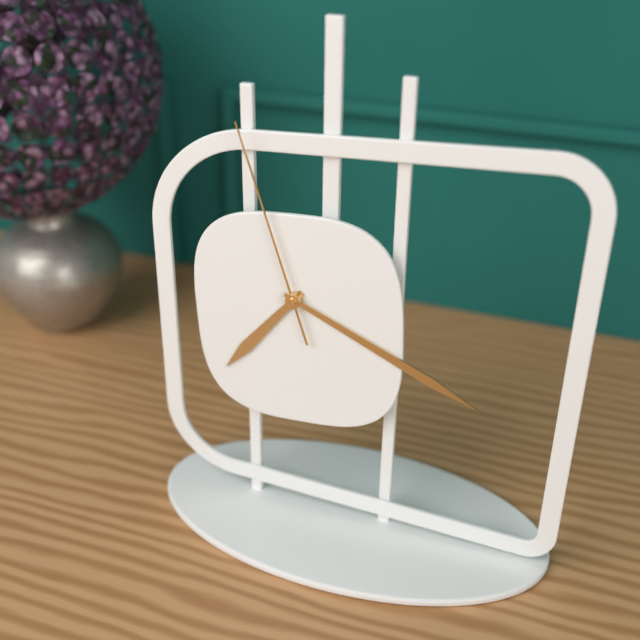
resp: 7h19m57s
